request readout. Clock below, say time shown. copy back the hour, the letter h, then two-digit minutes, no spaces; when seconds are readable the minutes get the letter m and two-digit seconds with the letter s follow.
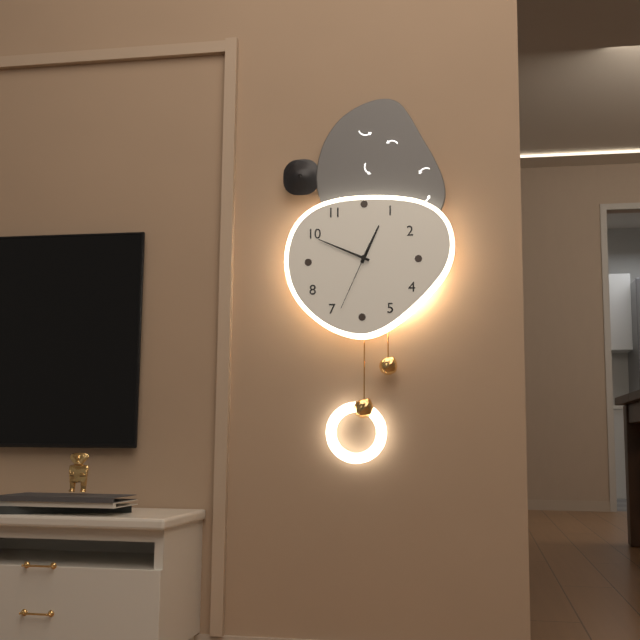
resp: 12h49m34s
